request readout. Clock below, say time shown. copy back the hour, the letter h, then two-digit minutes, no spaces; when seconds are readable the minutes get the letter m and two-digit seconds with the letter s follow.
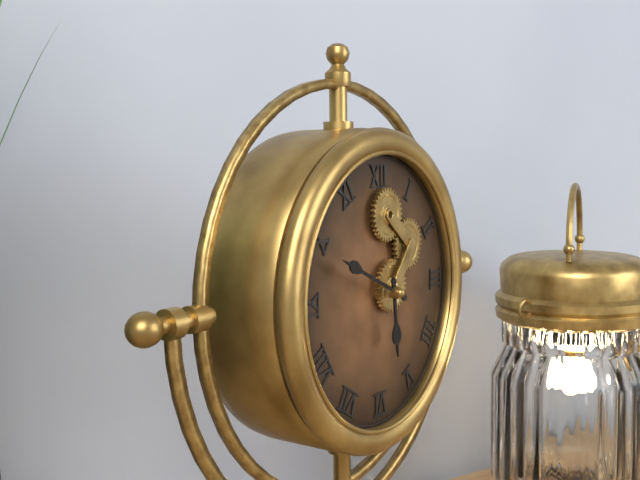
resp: 5h49
